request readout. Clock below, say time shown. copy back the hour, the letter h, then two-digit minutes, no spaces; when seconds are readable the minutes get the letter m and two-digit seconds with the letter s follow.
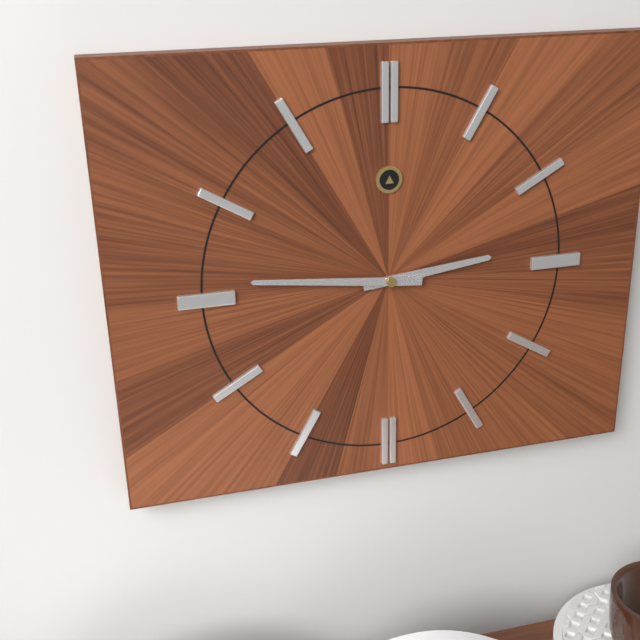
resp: 2h46
